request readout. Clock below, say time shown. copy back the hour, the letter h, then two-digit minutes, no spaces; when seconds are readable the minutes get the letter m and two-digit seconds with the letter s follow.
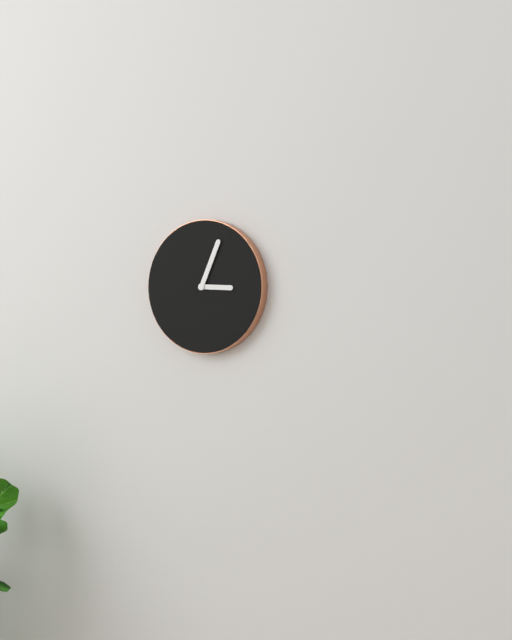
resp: 3h04
